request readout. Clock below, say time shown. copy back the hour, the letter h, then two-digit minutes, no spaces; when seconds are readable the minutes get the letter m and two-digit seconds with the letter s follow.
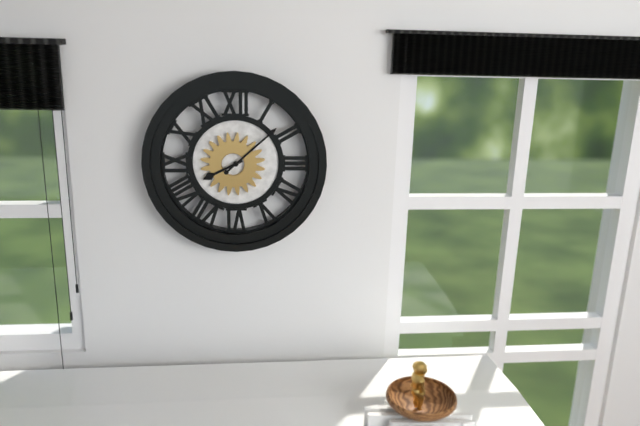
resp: 8h08
